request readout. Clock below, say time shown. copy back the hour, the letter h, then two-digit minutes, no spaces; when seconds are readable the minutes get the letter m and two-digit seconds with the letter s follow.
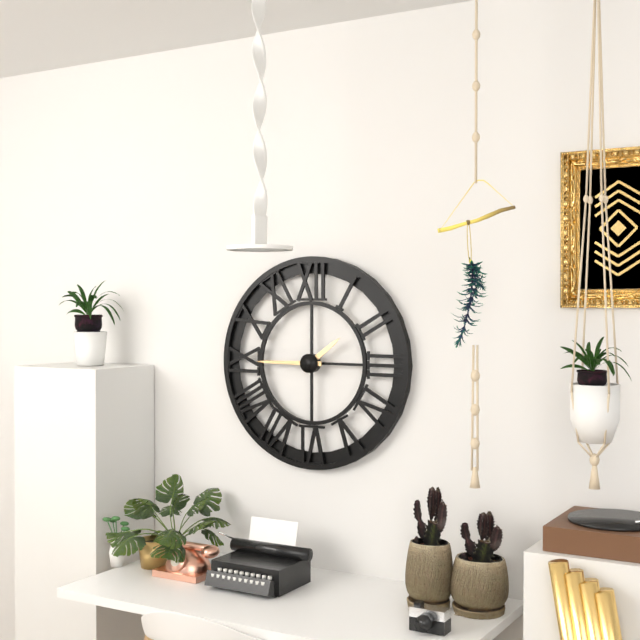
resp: 1h45
